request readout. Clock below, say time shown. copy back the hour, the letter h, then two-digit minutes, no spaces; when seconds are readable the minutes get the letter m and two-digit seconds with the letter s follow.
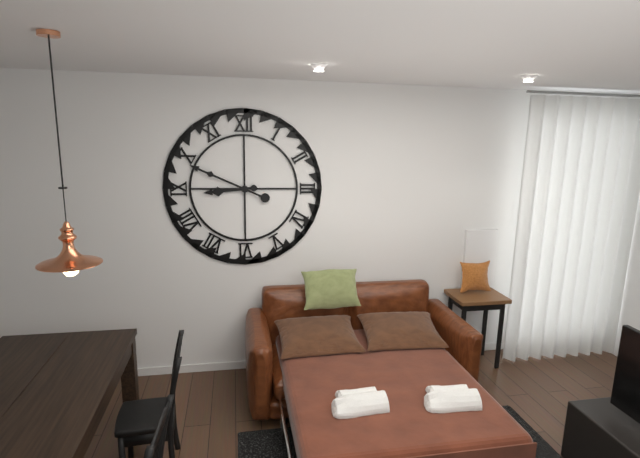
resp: 8h49
